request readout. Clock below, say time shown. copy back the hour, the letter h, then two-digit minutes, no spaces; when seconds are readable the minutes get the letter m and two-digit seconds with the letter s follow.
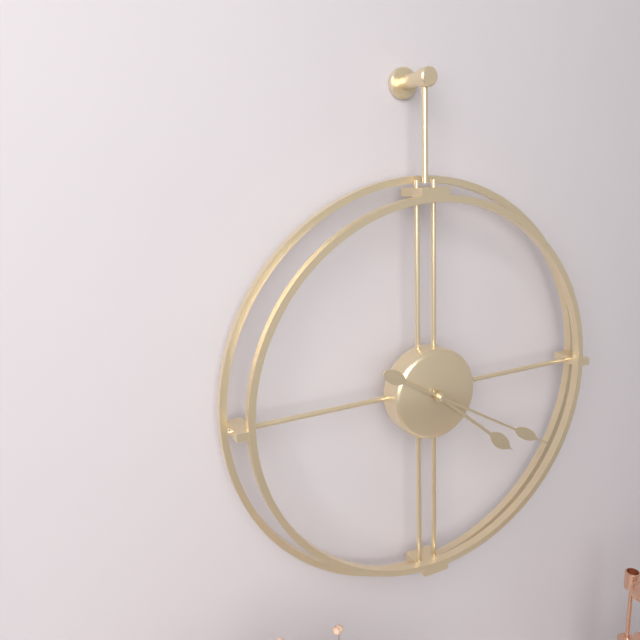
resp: 4h20
